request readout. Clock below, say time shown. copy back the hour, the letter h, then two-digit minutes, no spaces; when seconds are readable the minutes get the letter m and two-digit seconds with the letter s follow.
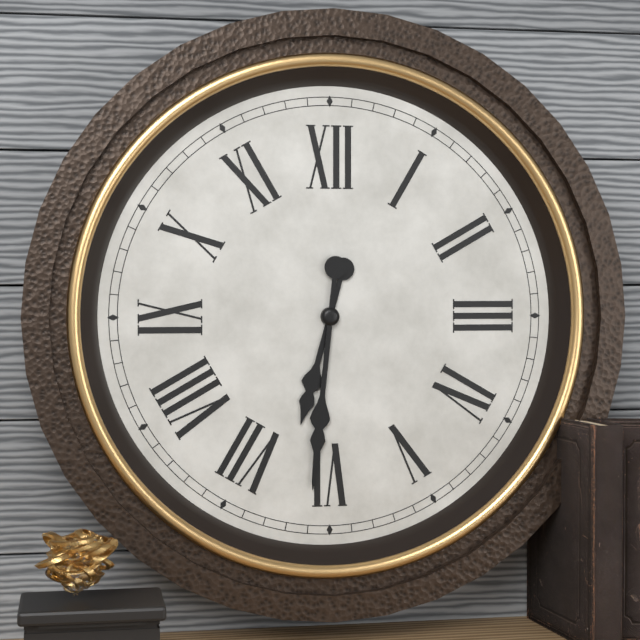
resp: 6h31
